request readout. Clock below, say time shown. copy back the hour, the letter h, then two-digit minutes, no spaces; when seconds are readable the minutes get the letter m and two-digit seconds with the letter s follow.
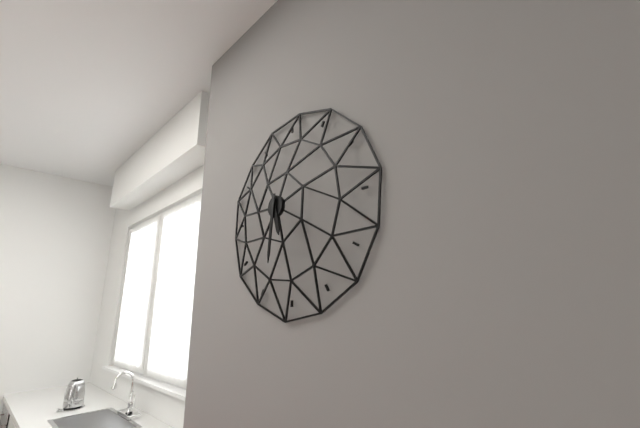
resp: 5h31
